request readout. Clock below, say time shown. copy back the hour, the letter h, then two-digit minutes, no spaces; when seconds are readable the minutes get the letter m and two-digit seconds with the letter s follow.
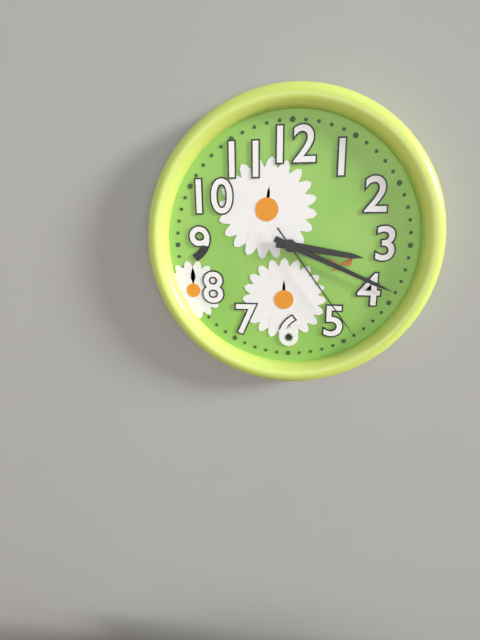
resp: 3h19m24s
